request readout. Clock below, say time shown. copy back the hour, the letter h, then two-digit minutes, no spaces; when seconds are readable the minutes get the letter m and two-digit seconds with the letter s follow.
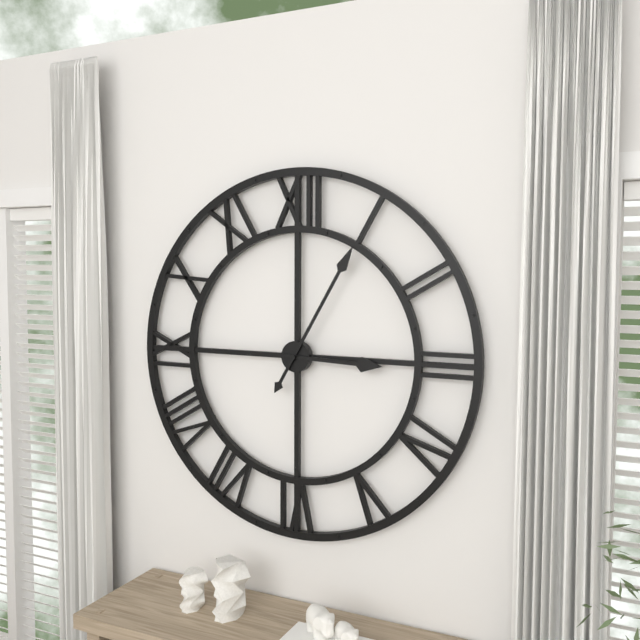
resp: 3h05
